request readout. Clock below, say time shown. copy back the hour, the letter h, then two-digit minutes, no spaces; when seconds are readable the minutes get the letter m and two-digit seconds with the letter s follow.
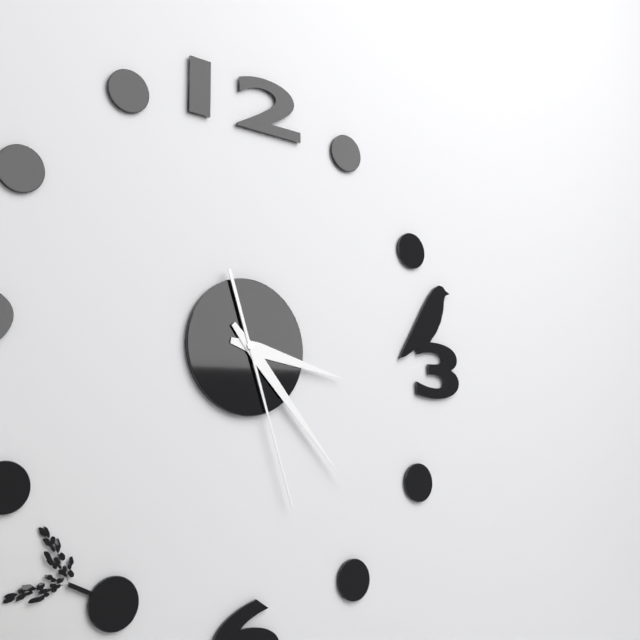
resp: 3h23m27s
